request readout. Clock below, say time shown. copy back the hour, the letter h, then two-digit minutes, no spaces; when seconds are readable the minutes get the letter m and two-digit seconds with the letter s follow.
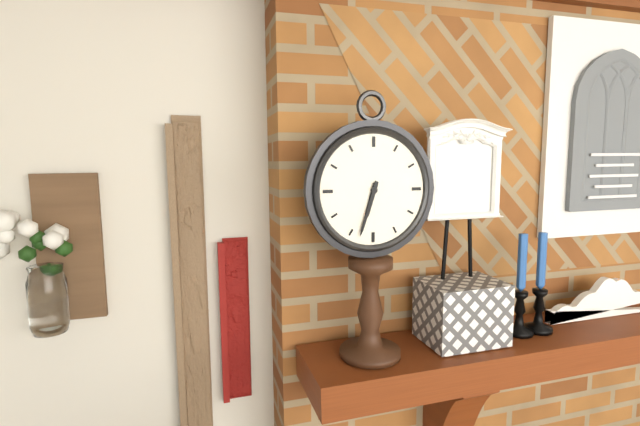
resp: 6h33
